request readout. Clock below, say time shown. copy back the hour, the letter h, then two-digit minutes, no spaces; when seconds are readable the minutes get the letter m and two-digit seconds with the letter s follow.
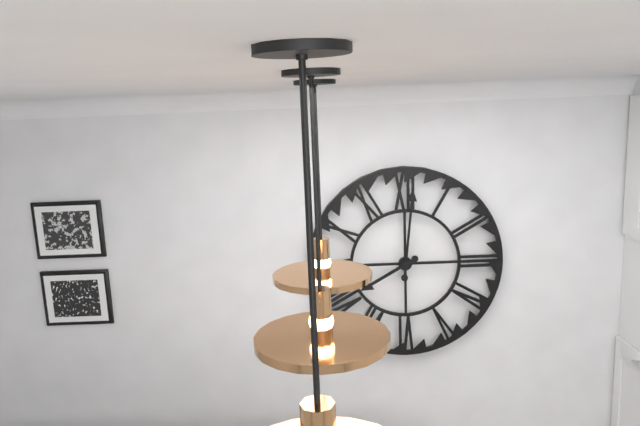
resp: 8h01
